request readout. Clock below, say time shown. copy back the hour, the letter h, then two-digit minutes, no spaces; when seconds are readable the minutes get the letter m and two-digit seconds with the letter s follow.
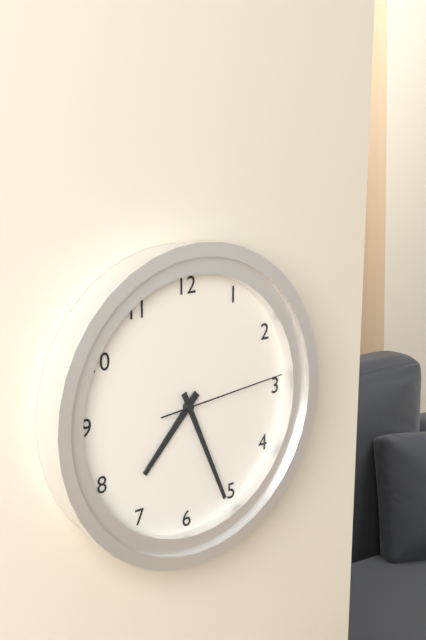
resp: 7h26m14s
